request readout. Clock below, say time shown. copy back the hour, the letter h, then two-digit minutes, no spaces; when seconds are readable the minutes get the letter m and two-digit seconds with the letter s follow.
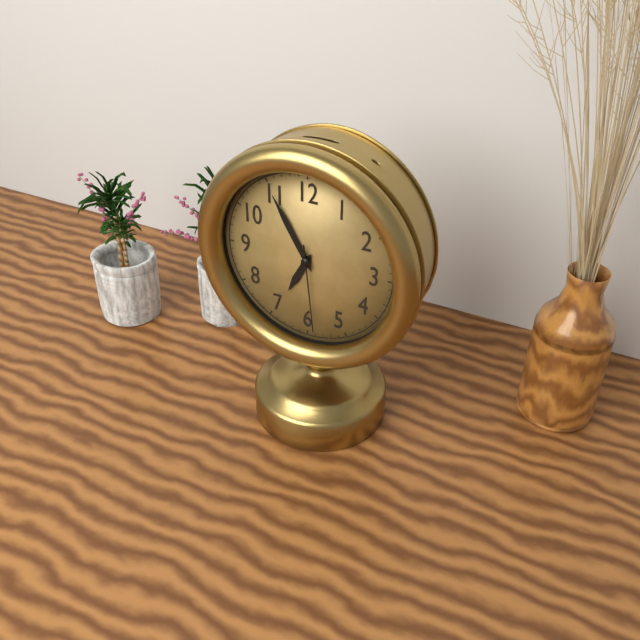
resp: 6h55m29s
